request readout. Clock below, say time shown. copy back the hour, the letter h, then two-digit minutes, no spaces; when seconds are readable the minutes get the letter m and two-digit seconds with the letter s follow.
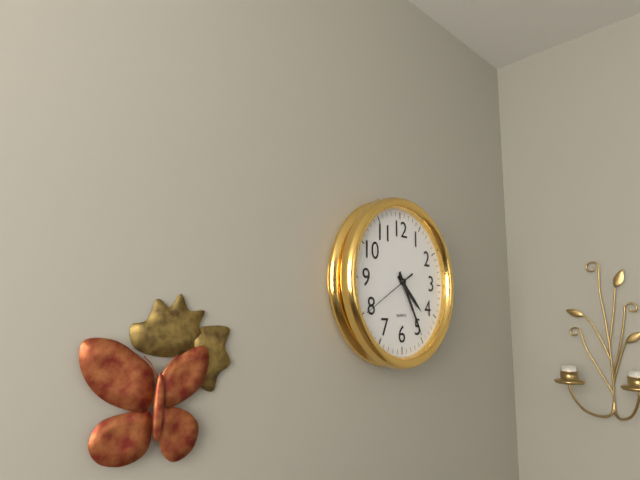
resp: 4h25m40s
